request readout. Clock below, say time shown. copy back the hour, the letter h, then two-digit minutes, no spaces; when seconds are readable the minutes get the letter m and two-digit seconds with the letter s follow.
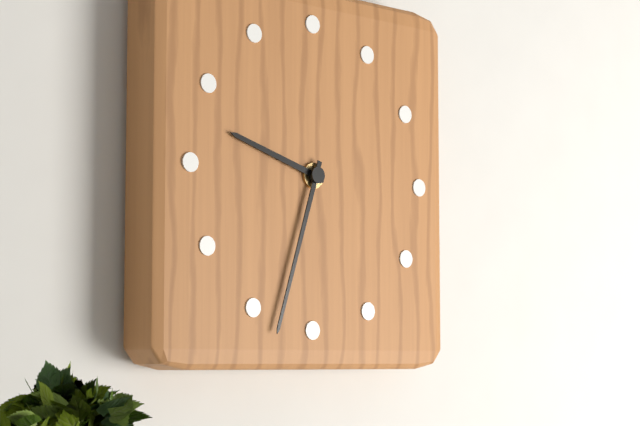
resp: 9h33
